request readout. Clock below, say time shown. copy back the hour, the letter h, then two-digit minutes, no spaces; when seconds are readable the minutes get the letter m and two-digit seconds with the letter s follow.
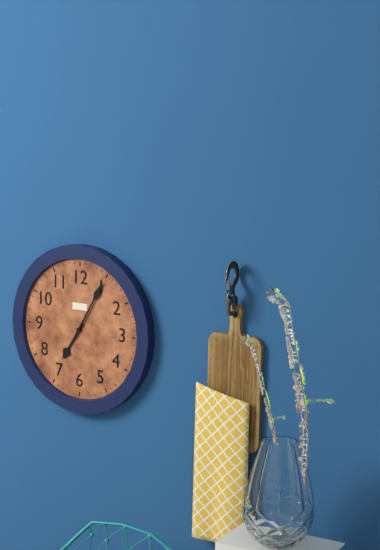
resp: 7h05
